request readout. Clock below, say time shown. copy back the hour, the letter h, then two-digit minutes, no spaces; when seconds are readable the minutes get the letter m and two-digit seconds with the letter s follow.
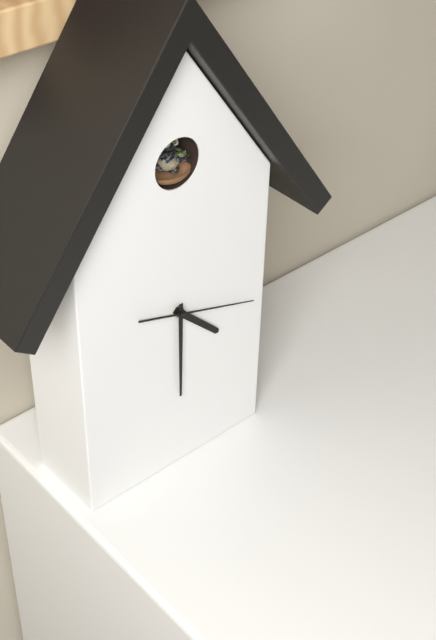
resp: 4h30m18s
